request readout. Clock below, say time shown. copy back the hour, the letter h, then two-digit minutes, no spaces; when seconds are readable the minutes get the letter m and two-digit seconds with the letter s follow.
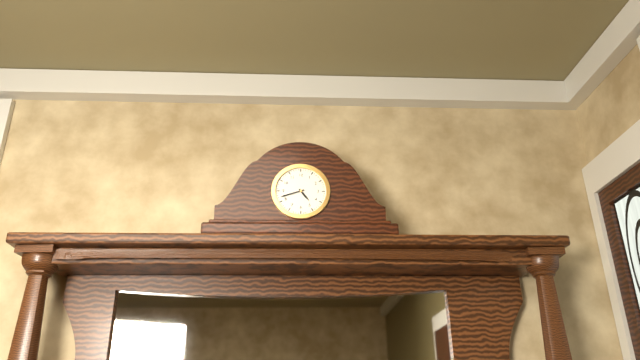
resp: 4h42
